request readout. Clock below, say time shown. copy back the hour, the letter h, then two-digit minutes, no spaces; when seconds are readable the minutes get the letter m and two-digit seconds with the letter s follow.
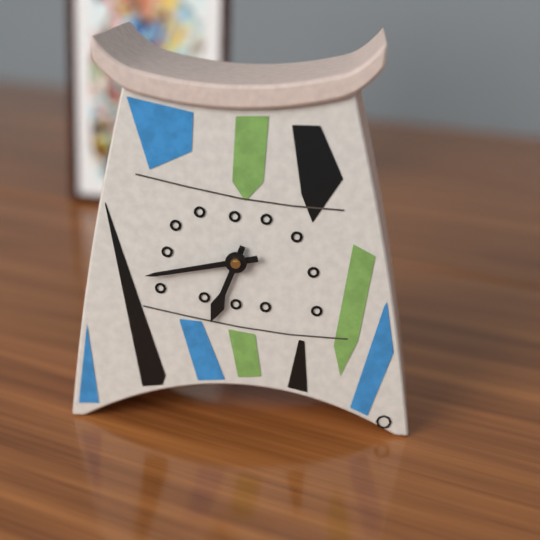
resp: 6h43
